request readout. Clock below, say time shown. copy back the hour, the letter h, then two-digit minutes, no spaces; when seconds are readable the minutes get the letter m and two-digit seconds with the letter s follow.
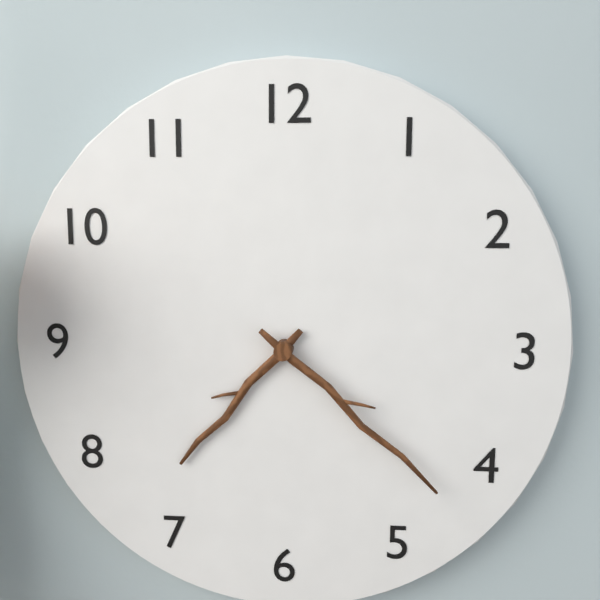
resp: 7h22
